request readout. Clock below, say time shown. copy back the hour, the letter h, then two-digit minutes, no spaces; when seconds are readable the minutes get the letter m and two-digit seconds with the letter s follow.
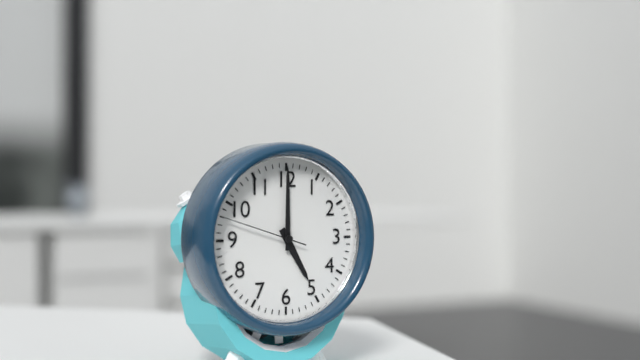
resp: 5h00m48s
